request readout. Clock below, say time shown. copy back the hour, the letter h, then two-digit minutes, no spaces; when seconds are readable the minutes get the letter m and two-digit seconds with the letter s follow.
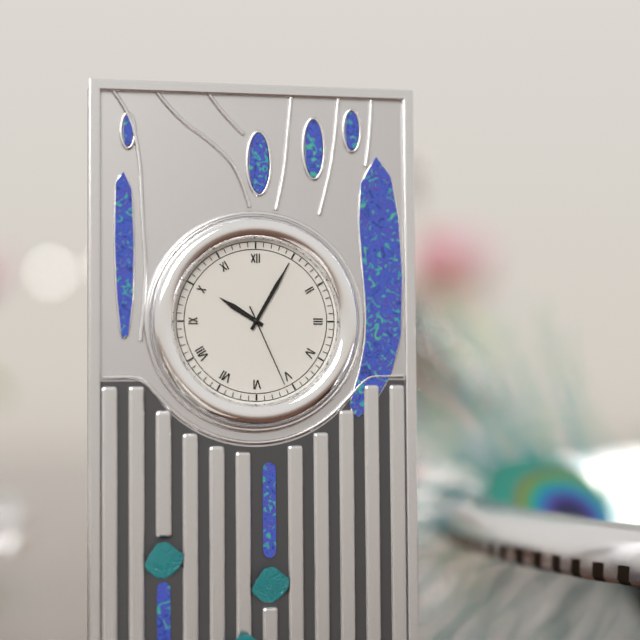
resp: 10h05m26s
